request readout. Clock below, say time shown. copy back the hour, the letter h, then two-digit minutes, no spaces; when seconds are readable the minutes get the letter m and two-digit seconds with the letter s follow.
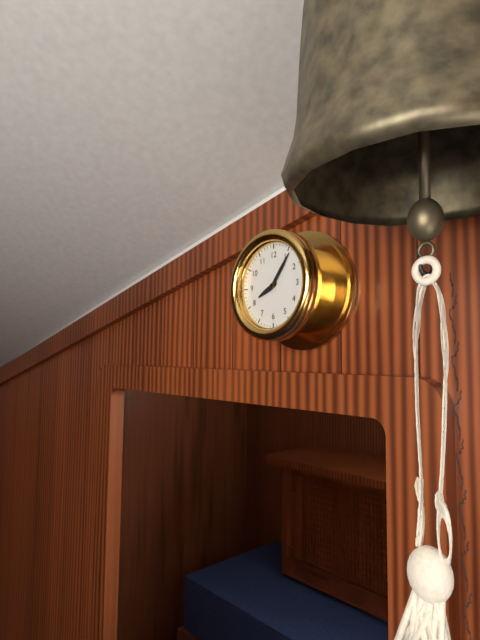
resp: 8h06
